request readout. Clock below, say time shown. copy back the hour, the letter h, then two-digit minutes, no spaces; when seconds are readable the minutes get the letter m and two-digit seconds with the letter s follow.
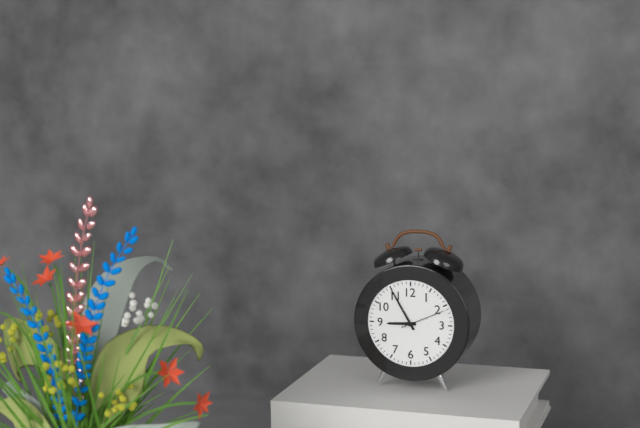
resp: 8h55
